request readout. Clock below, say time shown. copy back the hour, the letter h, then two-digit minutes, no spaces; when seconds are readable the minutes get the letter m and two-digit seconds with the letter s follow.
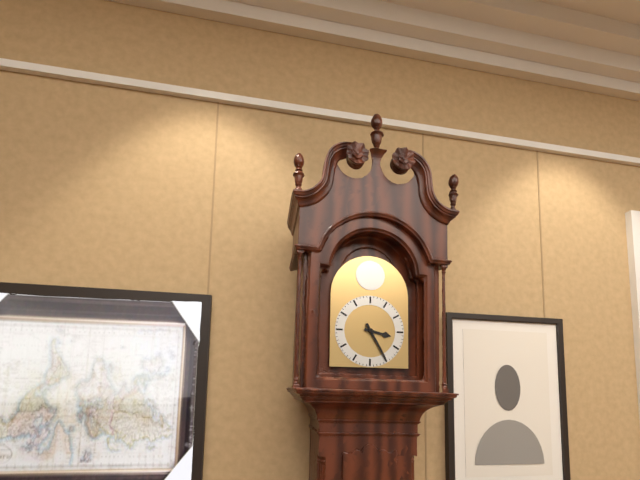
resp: 3h25
